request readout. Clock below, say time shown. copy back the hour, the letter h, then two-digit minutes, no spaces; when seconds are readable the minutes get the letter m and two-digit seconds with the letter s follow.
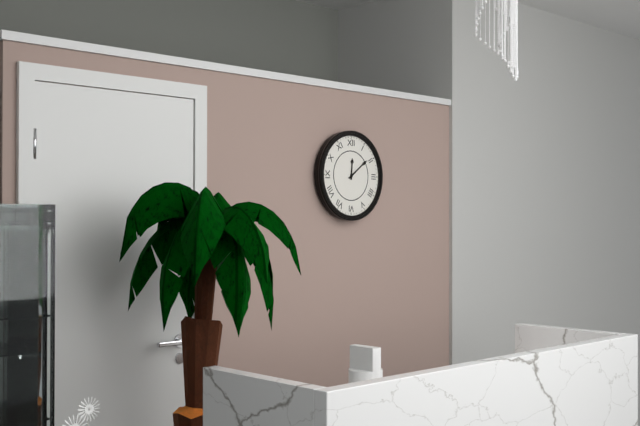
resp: 12h09
